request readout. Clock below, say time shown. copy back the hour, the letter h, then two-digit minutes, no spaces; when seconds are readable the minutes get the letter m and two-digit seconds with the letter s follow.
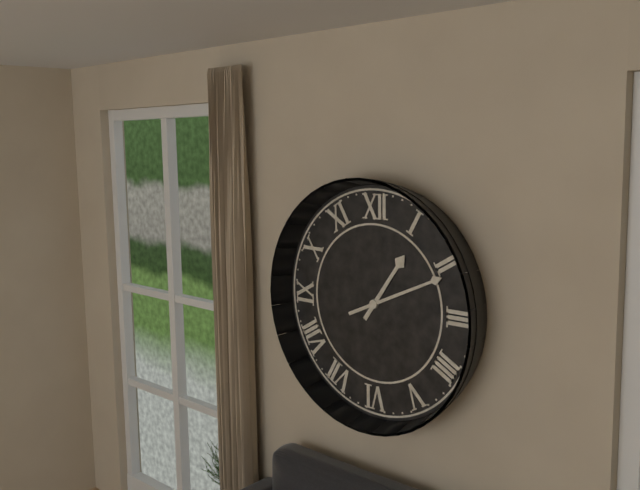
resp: 1h11
